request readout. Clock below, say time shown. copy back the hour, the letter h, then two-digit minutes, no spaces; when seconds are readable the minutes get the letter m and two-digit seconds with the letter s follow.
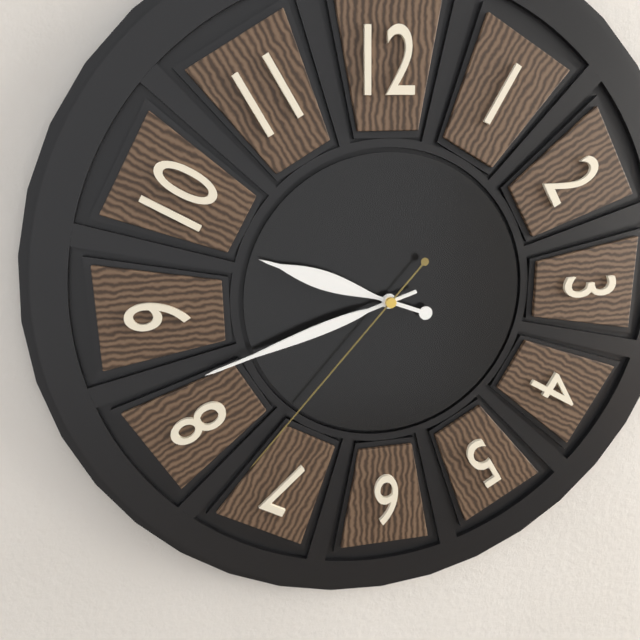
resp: 9h42m37s
